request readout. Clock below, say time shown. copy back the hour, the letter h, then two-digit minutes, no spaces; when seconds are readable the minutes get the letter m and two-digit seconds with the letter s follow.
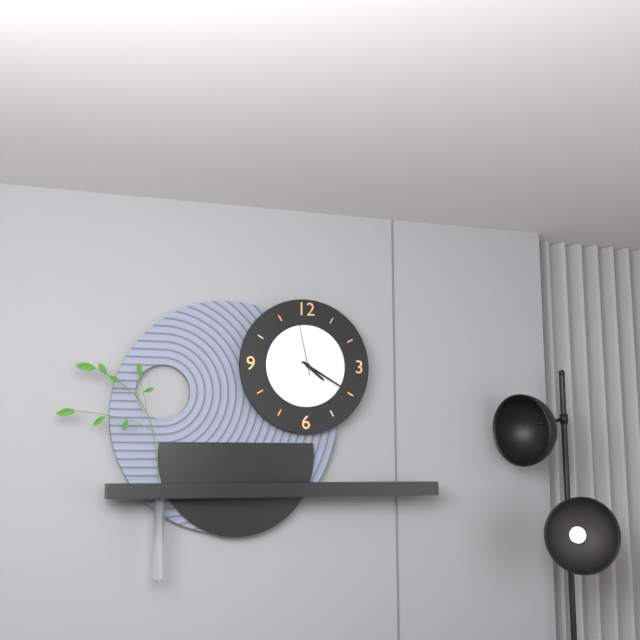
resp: 4h20m58s
